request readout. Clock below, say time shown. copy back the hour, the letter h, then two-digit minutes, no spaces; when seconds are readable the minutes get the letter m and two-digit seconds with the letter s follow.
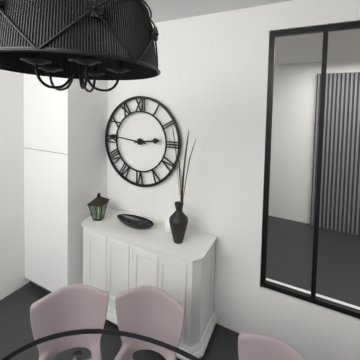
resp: 2h46
